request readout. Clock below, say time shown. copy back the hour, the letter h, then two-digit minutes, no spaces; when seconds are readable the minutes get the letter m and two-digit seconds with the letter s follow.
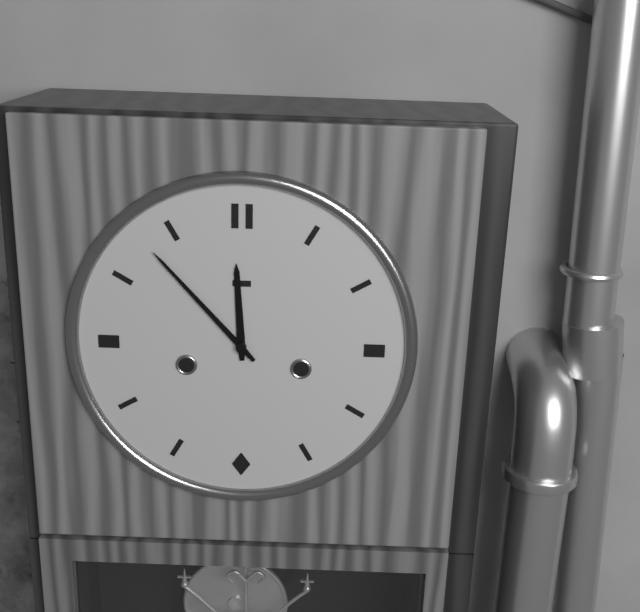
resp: 11h53
